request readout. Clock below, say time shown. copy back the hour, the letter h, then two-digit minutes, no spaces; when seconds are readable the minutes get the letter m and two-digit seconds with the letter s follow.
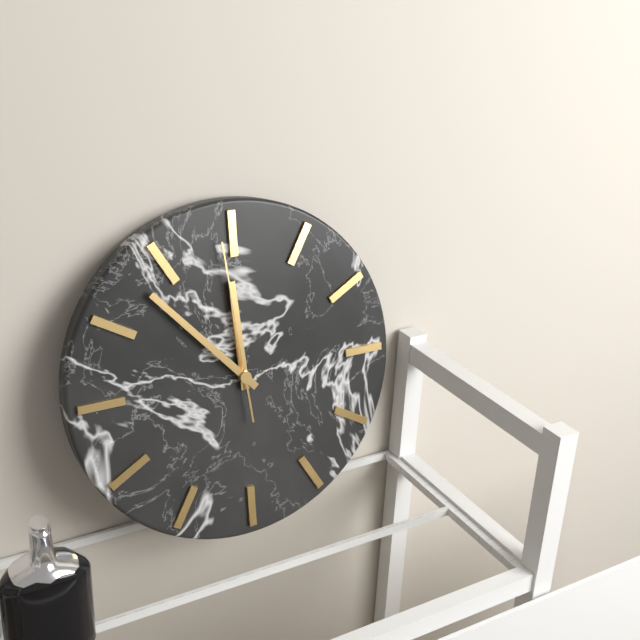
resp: 11h53m59s
